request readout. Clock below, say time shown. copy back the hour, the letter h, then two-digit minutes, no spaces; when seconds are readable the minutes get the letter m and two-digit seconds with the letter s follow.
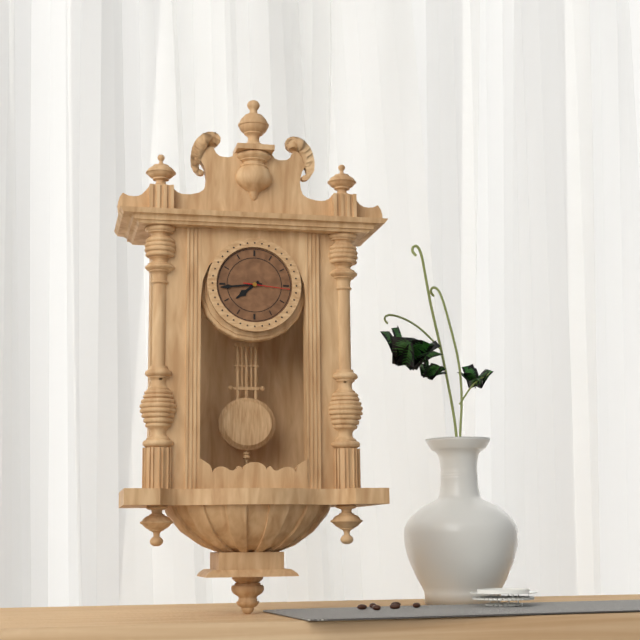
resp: 7h44
